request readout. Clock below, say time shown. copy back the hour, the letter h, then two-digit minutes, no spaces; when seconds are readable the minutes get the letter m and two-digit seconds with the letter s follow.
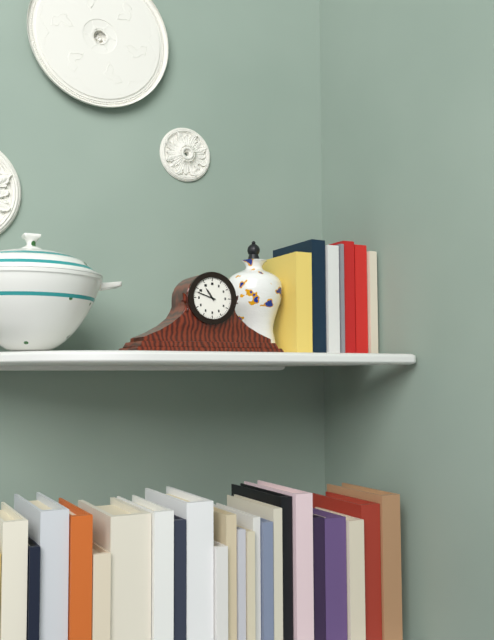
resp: 10h48
